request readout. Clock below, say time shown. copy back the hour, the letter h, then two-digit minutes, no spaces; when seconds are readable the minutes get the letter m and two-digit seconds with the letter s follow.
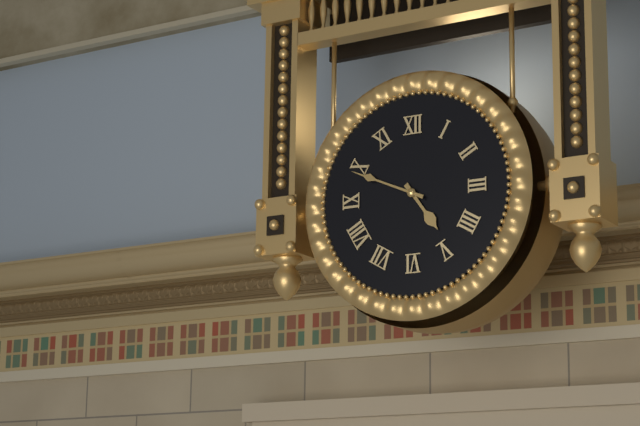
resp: 4h49
